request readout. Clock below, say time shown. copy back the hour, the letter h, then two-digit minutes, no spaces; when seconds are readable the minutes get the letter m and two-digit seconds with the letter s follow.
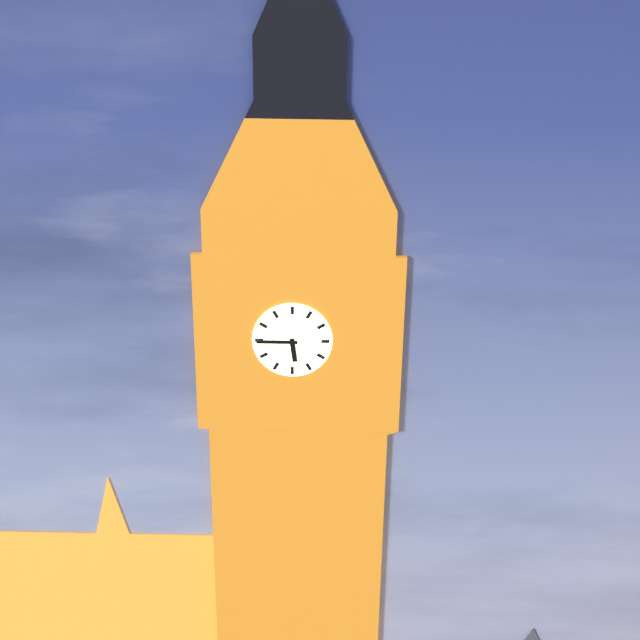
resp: 5h45
